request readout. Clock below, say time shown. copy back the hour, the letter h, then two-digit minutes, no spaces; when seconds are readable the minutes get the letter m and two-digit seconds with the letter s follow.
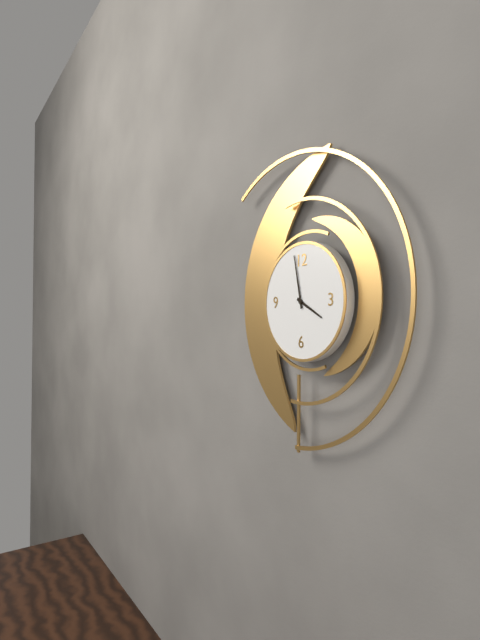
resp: 3h58
